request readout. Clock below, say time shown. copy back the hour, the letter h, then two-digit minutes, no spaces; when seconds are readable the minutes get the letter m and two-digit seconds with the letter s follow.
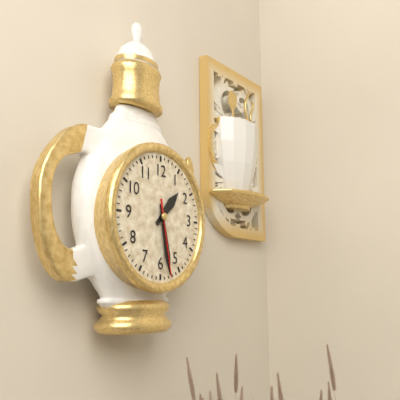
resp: 1h28m28s
